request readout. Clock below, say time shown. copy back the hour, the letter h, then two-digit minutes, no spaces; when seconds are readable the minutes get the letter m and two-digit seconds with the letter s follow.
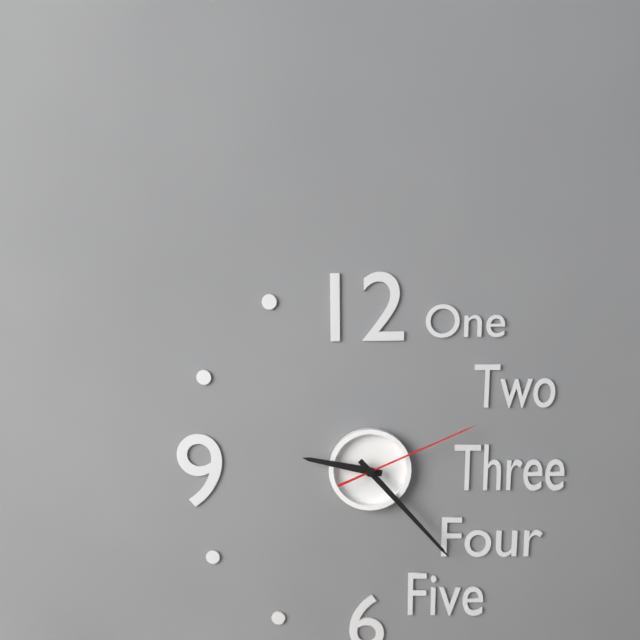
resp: 9h23m11s
